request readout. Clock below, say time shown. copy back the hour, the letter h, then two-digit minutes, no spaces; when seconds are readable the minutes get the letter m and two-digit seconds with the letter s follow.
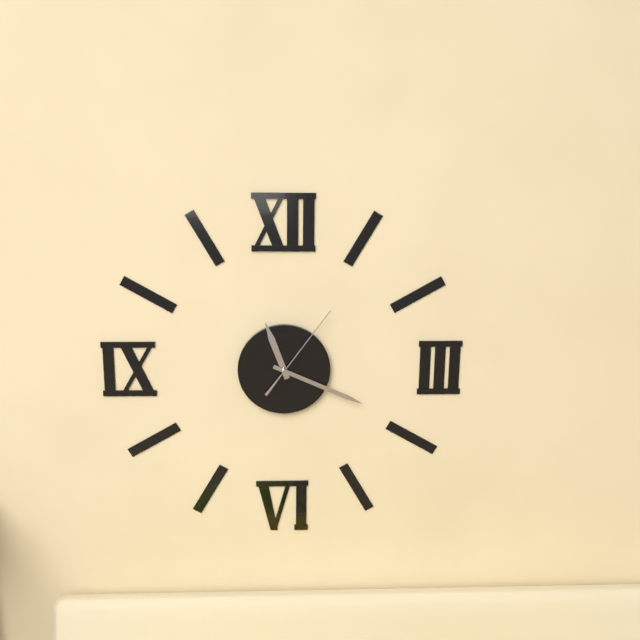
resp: 11h19m06s
